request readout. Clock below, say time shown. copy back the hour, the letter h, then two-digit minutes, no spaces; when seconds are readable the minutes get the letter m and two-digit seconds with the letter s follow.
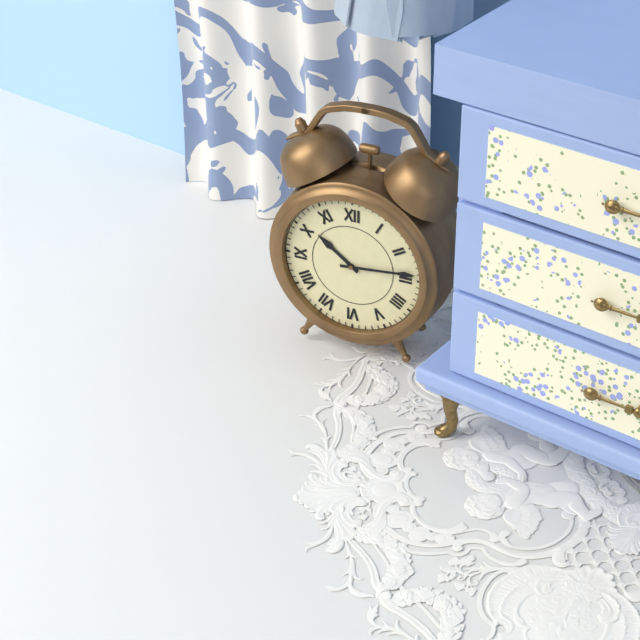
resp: 10h14
